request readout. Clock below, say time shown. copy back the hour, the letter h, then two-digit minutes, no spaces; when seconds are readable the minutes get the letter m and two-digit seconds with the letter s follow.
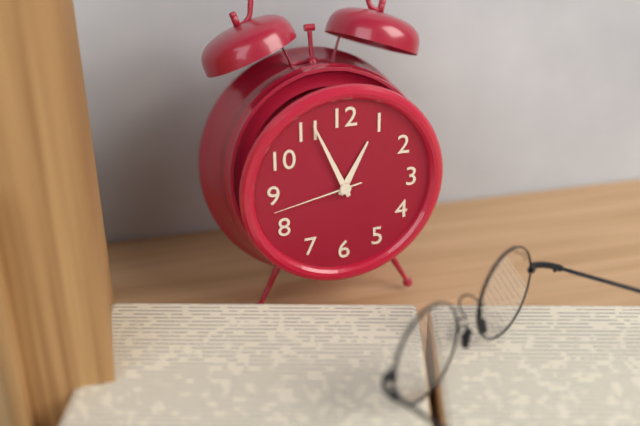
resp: 12h56m43s
